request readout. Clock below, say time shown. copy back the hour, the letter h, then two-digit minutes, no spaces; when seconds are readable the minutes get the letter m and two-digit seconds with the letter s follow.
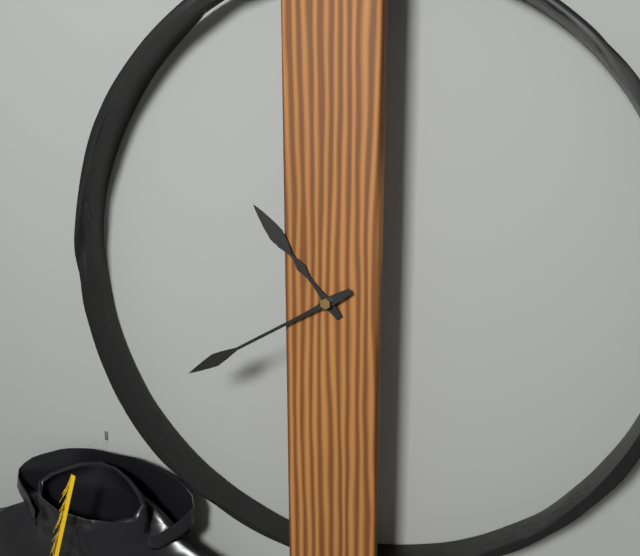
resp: 10h40
